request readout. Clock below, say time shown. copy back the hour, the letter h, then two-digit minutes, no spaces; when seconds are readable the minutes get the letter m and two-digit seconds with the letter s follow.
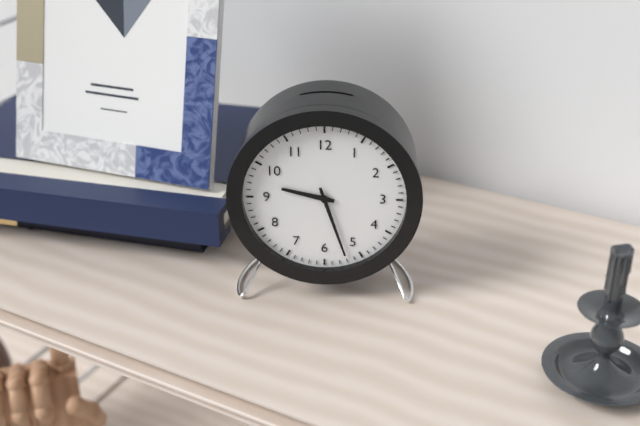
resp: 9h27
